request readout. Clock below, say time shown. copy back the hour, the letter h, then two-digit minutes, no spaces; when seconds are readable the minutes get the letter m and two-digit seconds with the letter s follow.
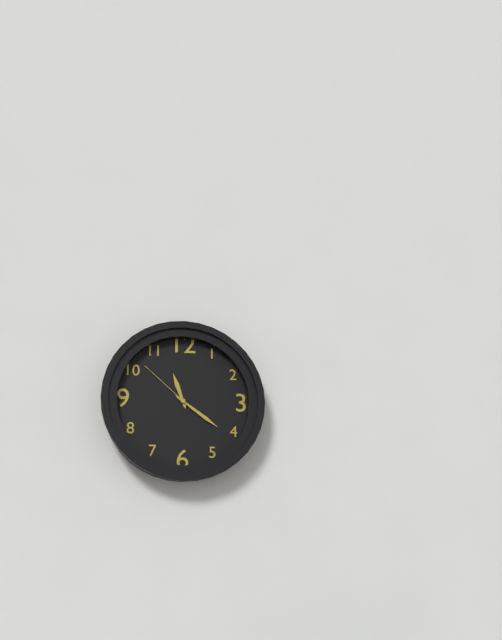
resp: 11h21m52s
